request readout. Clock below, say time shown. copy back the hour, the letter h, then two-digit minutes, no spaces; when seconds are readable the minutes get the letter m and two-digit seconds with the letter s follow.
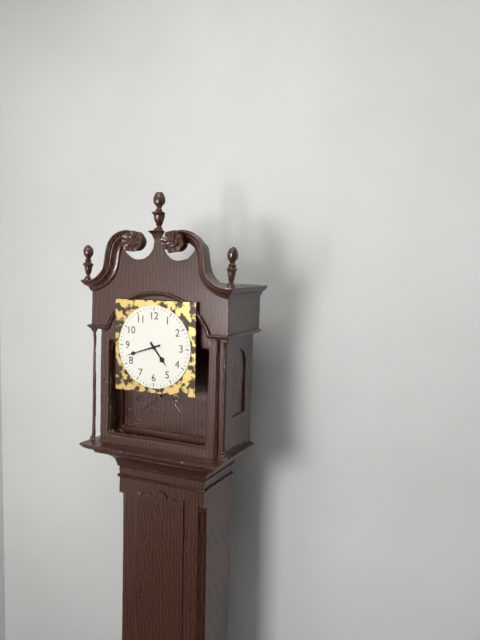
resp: 4h42
